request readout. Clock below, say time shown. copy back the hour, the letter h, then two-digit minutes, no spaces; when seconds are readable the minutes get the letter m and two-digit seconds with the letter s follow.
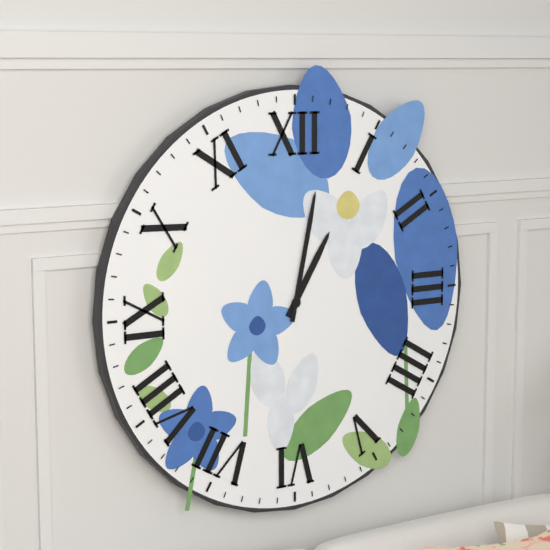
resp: 1h02
